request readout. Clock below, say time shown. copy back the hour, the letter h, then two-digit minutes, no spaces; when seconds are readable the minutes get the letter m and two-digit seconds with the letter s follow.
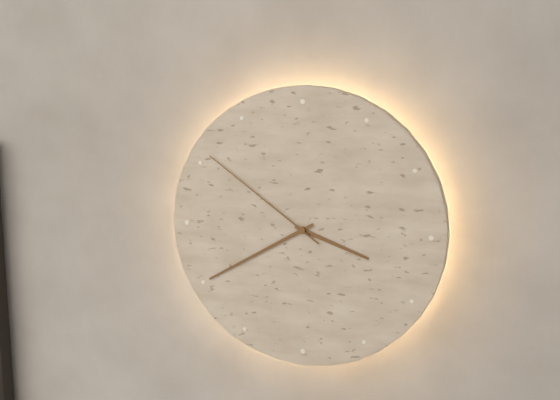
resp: 3h40m51s
